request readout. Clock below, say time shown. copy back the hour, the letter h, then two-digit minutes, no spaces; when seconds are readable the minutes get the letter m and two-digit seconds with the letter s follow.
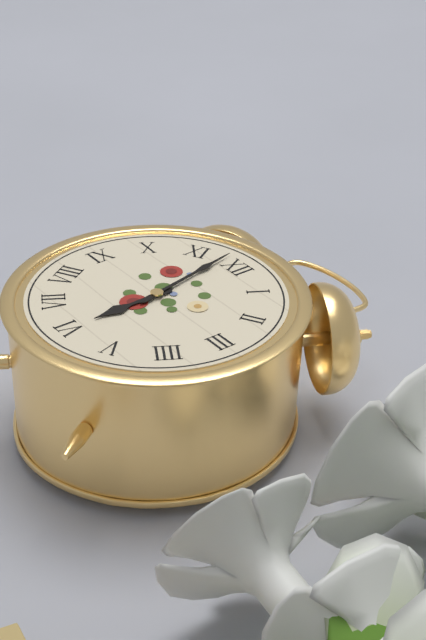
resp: 5h58
